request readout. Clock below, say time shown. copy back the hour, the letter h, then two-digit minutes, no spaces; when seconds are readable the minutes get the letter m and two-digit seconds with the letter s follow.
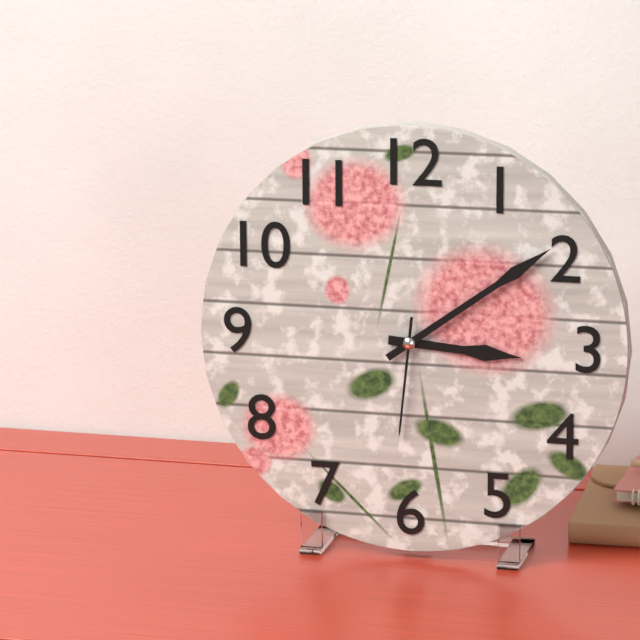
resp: 3h09m31s
